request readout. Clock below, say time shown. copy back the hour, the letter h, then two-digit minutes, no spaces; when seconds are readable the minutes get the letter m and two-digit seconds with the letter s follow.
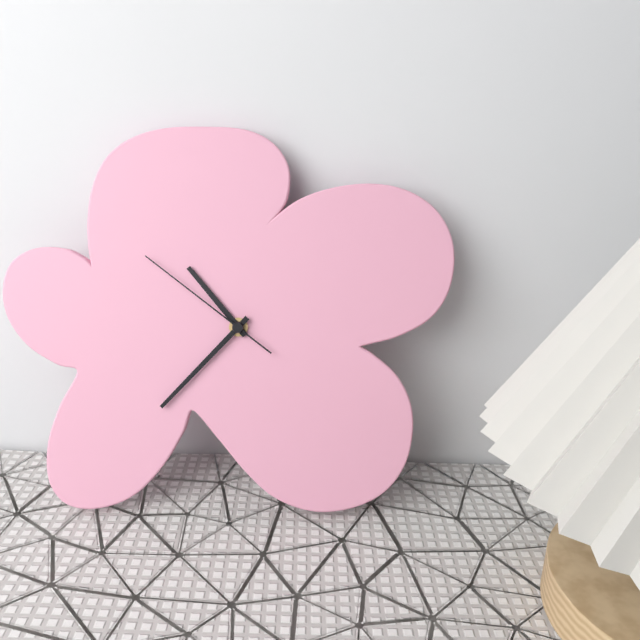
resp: 10h37m51s
